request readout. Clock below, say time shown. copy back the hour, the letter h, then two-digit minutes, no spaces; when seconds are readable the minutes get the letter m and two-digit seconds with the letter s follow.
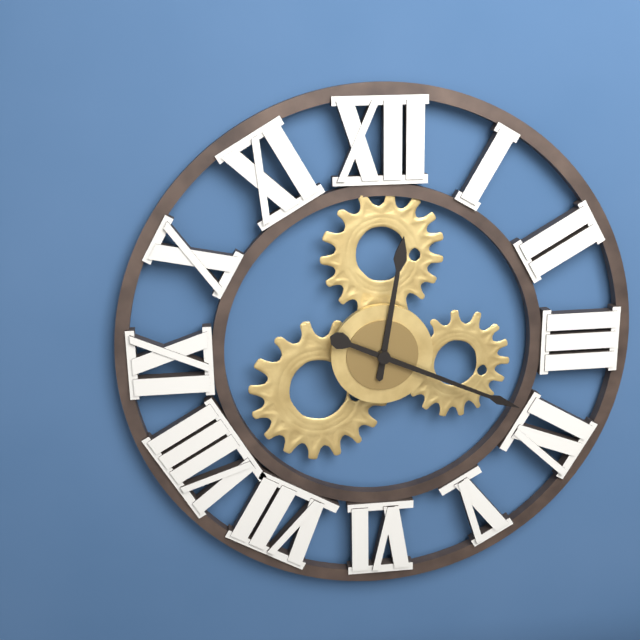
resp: 12h19
